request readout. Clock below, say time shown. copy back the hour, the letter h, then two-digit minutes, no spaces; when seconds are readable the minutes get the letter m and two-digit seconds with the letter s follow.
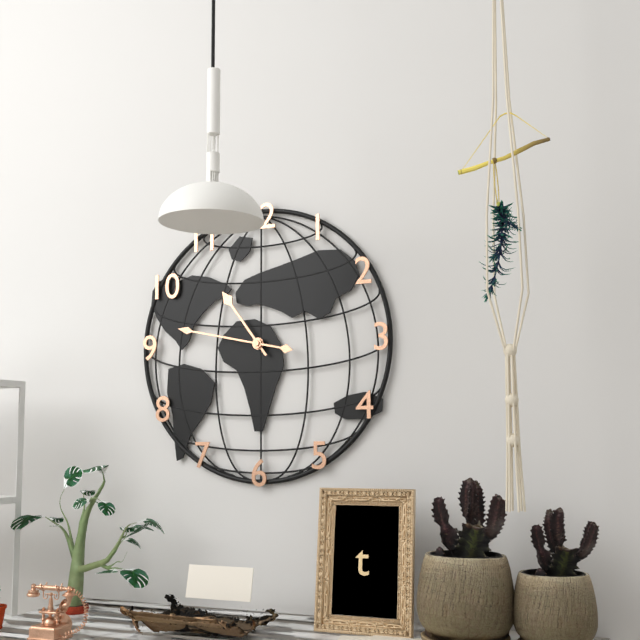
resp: 10h47
